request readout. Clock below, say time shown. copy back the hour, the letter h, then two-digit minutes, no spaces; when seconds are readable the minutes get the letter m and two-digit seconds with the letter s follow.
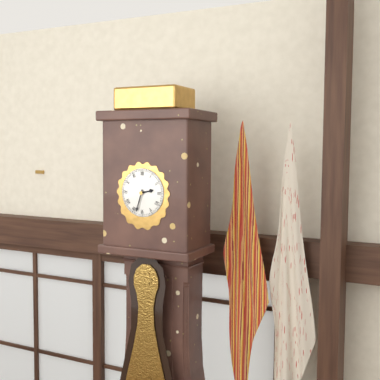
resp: 2h33
